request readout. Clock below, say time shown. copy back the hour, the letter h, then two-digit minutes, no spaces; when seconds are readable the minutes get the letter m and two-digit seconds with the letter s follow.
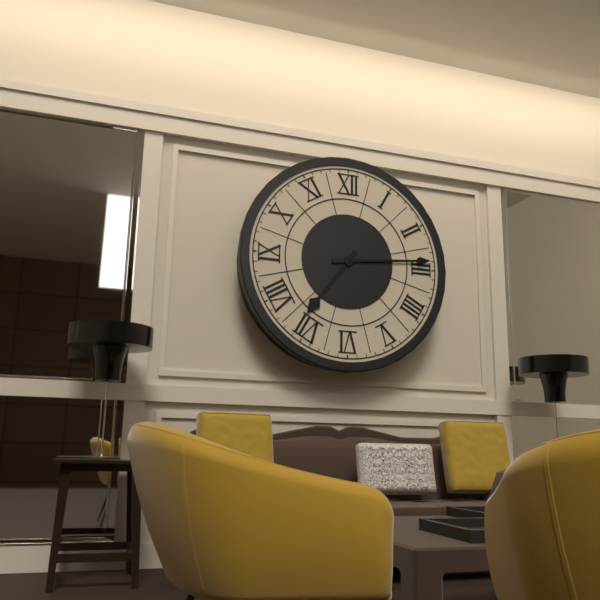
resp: 7h14
